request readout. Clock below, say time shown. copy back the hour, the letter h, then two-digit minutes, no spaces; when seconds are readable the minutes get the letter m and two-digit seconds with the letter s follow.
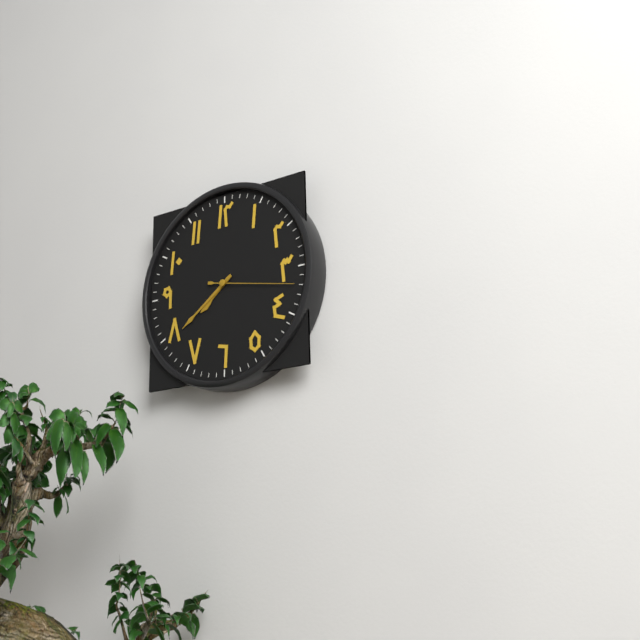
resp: 7h39m17s
